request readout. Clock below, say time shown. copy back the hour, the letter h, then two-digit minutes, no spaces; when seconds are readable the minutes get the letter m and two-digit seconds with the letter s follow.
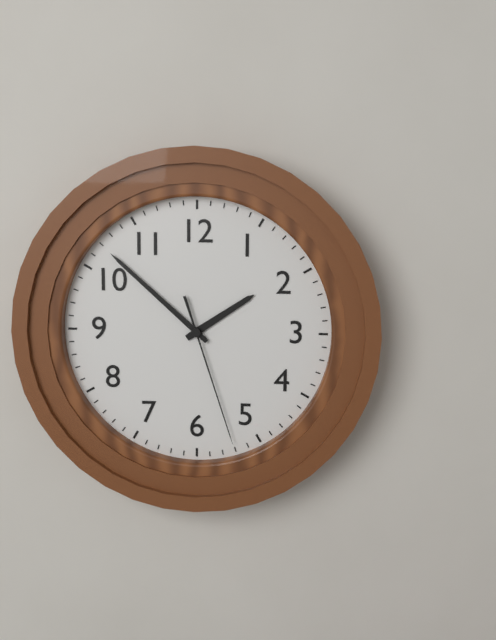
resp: 1h52m27s
